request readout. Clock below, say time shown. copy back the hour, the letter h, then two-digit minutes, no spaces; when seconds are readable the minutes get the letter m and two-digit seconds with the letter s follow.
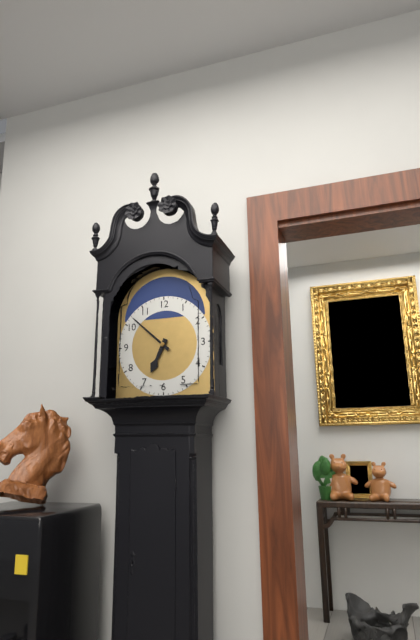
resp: 6h52
